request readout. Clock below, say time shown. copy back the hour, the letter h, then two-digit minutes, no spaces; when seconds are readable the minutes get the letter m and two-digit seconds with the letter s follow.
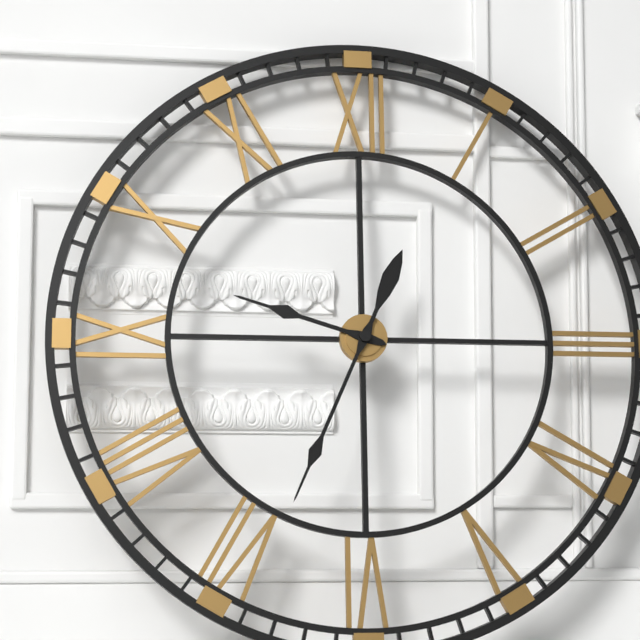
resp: 9h34
